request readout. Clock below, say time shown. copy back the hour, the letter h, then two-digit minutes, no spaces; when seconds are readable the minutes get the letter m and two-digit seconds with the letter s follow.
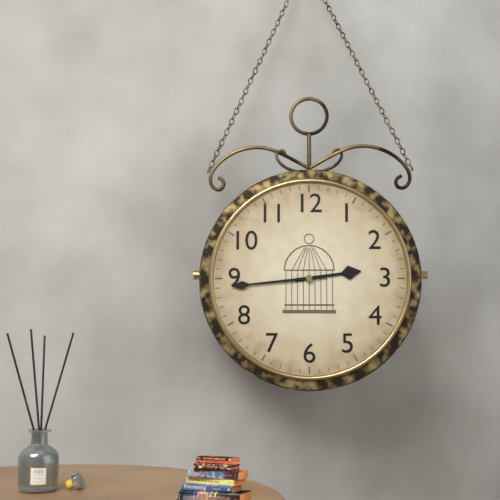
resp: 2h44
